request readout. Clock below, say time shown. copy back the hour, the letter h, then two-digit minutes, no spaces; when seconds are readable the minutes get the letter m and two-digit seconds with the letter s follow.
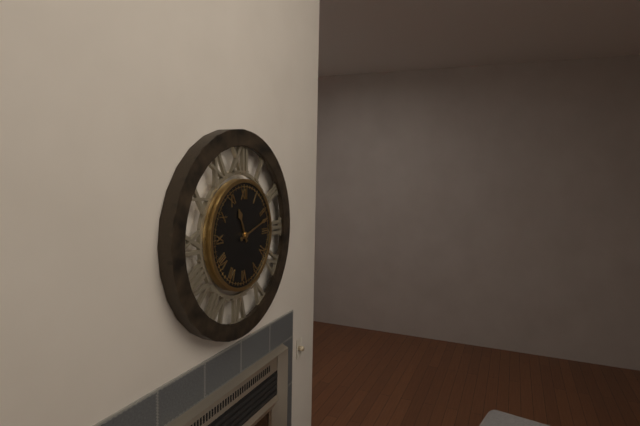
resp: 11h12
